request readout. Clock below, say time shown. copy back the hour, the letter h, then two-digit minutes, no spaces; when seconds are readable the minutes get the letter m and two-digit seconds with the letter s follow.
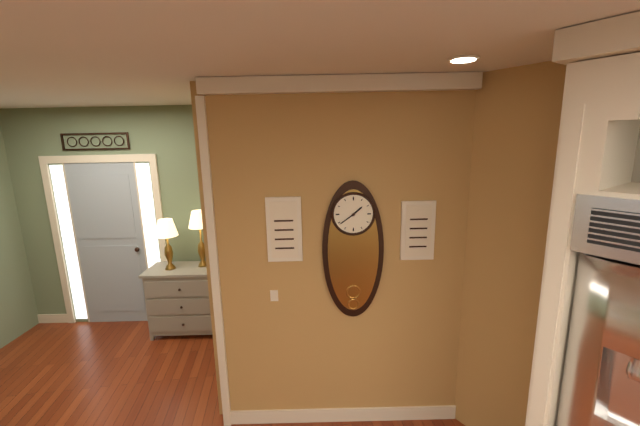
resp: 1h39
